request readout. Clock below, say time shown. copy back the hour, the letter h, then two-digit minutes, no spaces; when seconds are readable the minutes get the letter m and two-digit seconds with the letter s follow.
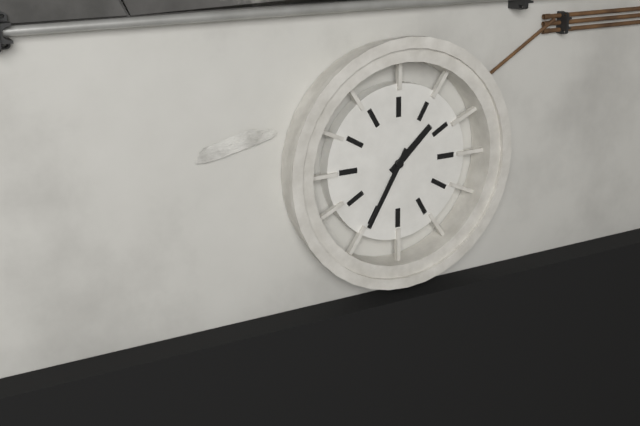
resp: 1h35
